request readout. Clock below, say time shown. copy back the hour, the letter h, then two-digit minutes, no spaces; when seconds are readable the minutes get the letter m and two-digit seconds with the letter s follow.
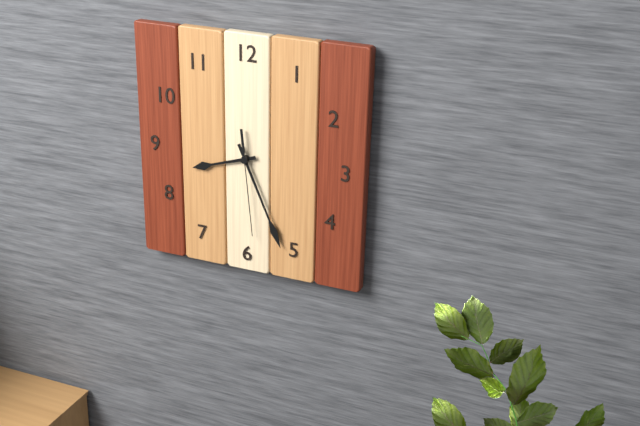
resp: 8h26m29s
